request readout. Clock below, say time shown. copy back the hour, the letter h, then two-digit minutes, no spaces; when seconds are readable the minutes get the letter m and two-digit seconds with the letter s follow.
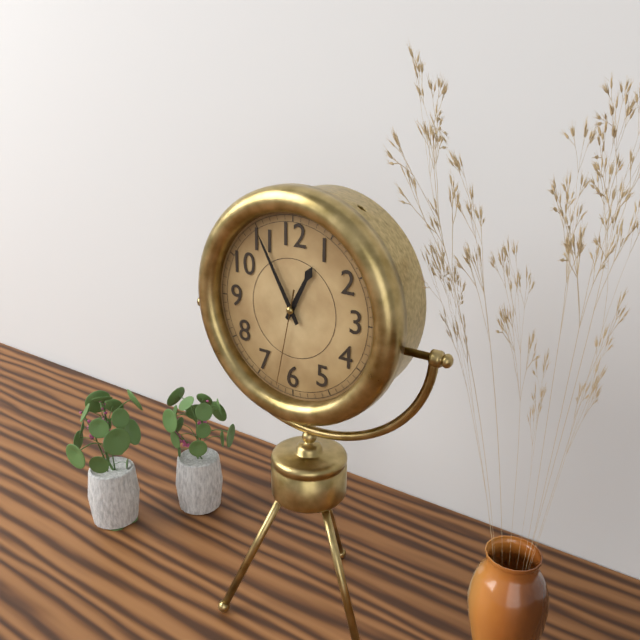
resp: 12h55m32s
